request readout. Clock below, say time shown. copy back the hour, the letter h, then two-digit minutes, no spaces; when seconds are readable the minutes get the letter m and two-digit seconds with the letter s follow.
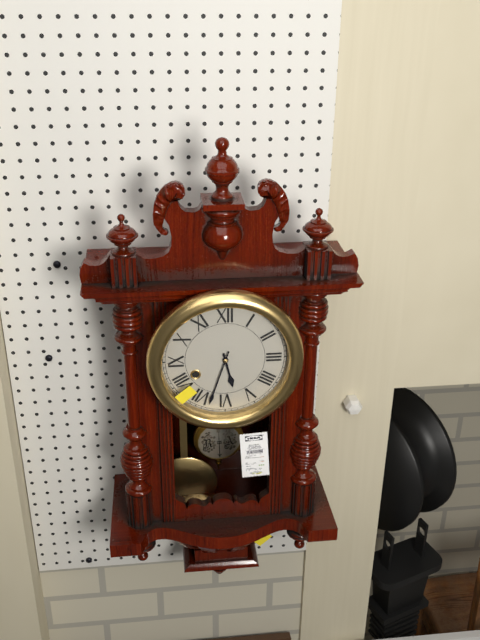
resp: 5h33
